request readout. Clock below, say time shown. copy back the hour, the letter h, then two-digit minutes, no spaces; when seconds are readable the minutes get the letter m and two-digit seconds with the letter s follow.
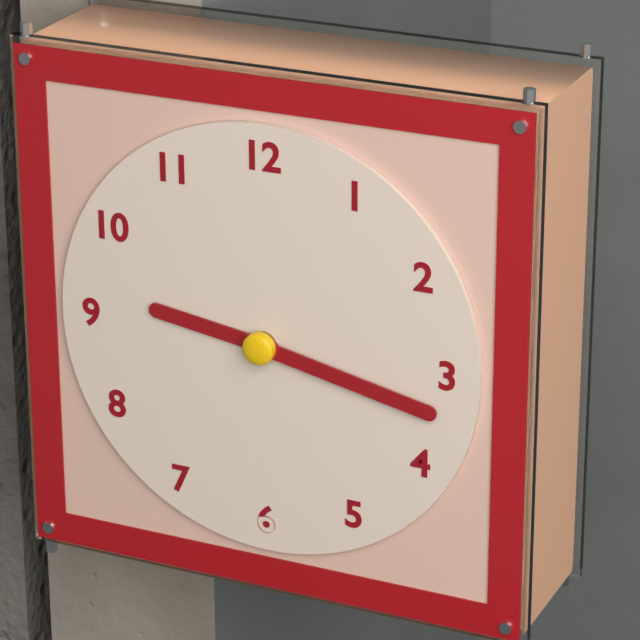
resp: 9h17
